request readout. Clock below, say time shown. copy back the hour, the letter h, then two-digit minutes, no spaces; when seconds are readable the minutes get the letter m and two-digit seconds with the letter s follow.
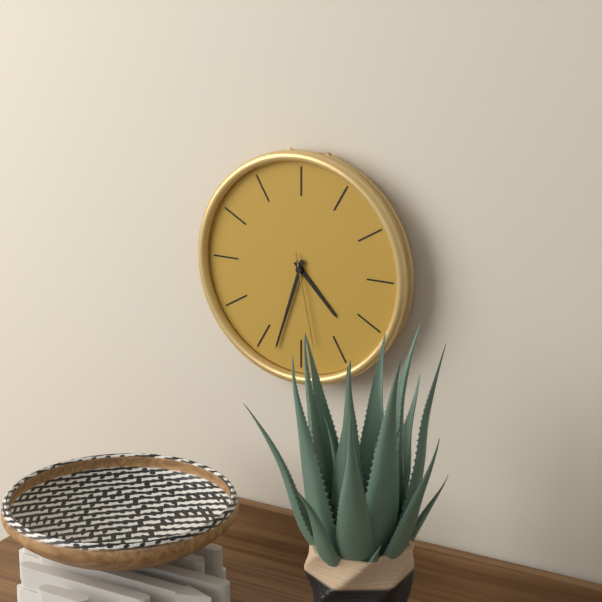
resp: 4h33m28s
